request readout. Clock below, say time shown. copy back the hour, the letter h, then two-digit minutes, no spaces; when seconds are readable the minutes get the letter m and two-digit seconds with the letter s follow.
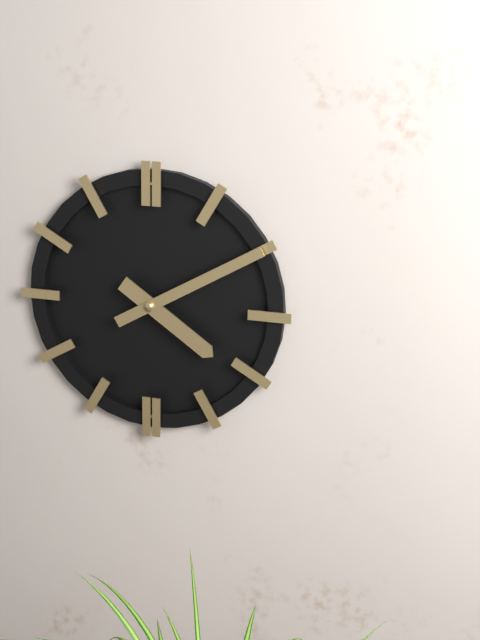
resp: 4h10
